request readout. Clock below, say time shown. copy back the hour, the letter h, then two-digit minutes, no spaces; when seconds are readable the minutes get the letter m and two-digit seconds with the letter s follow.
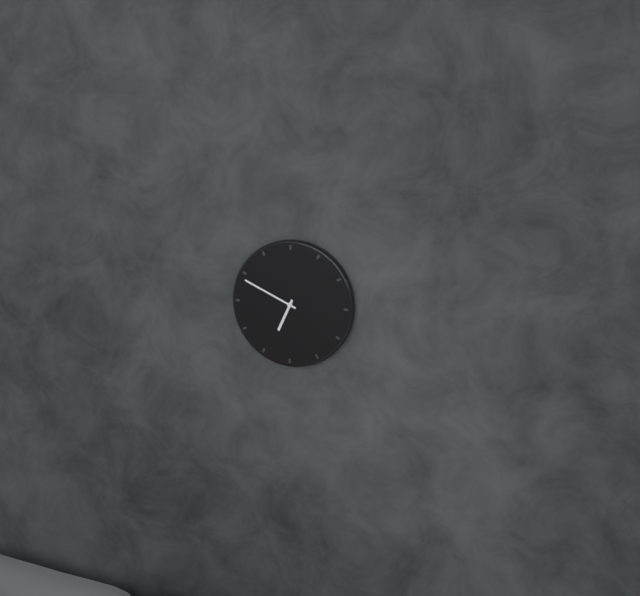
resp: 6h49
